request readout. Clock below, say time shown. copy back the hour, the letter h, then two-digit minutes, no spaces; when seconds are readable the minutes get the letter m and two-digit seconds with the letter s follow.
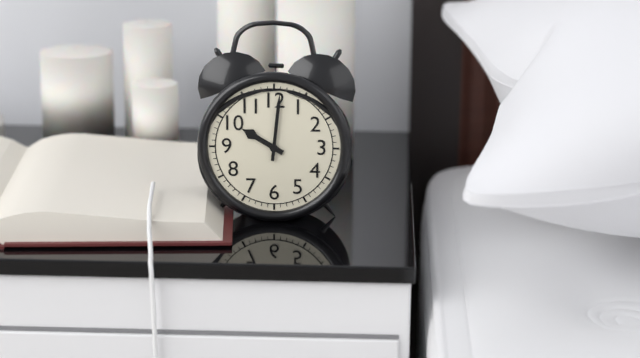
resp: 10h01
